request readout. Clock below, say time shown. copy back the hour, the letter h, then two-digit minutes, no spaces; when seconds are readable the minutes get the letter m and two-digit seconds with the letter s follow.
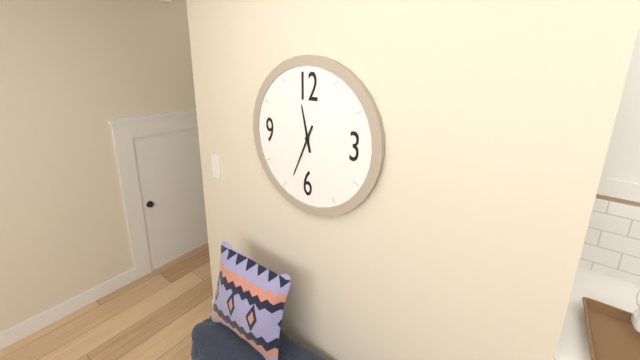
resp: 11h34
